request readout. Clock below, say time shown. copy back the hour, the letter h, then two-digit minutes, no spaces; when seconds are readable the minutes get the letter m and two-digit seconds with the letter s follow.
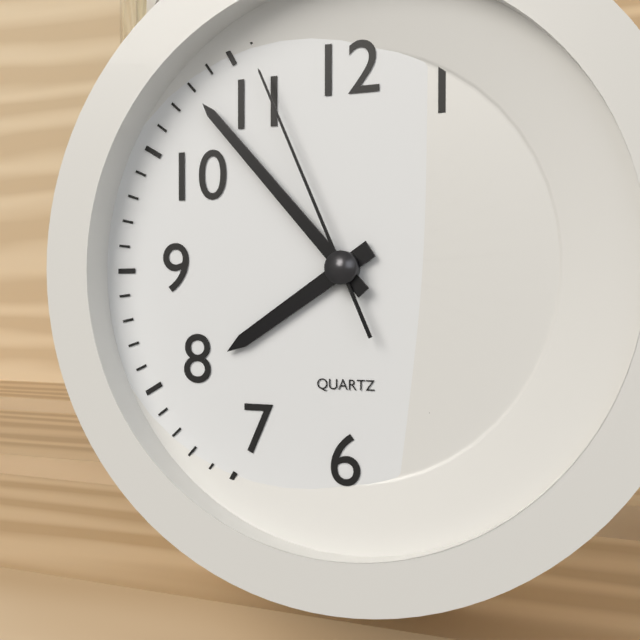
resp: 7h53m56s
